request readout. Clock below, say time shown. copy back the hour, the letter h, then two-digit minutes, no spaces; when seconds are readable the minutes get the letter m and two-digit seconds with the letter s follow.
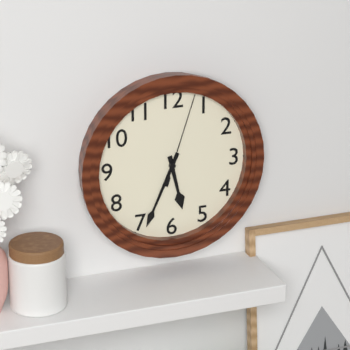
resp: 5h34m03s
